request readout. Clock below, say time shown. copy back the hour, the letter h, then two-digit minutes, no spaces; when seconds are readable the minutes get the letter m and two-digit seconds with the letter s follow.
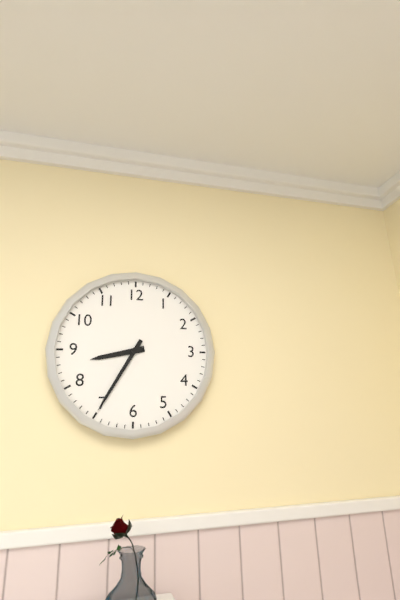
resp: 8h35
